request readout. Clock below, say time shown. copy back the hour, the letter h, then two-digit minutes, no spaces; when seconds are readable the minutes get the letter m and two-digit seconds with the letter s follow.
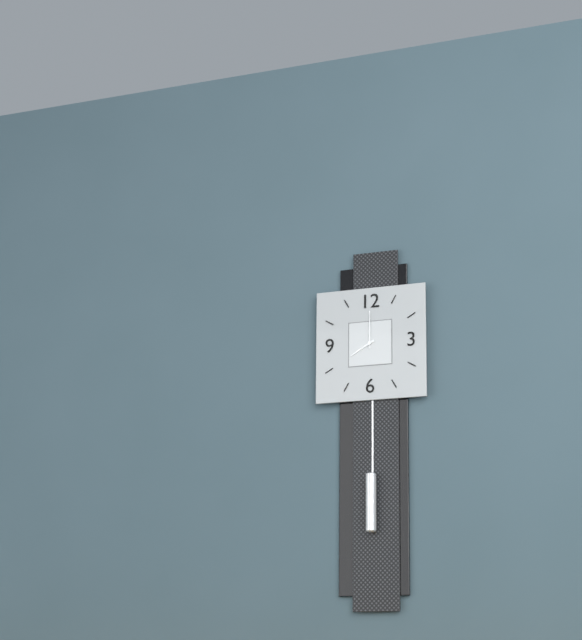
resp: 8h00
